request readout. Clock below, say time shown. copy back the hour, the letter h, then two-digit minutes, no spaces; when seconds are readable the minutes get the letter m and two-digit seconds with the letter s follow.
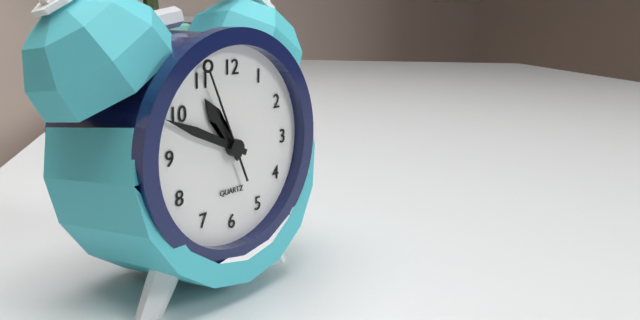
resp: 10h49m56s
